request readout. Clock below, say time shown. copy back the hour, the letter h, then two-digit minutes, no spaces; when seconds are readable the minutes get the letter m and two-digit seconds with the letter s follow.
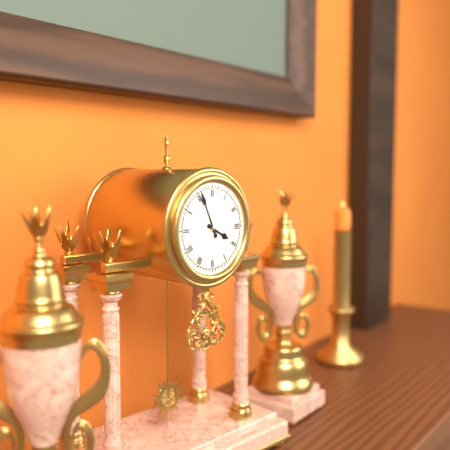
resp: 3h56
